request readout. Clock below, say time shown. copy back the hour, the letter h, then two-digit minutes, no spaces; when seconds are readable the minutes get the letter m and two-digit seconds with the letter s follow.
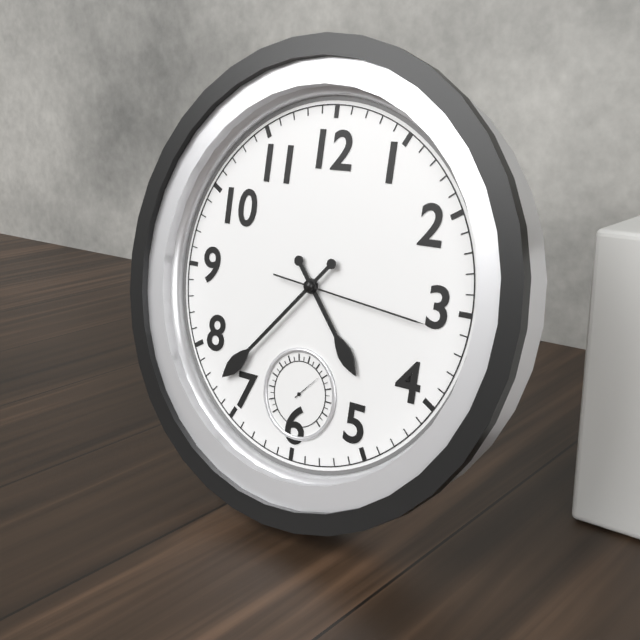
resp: 4h37m16s
